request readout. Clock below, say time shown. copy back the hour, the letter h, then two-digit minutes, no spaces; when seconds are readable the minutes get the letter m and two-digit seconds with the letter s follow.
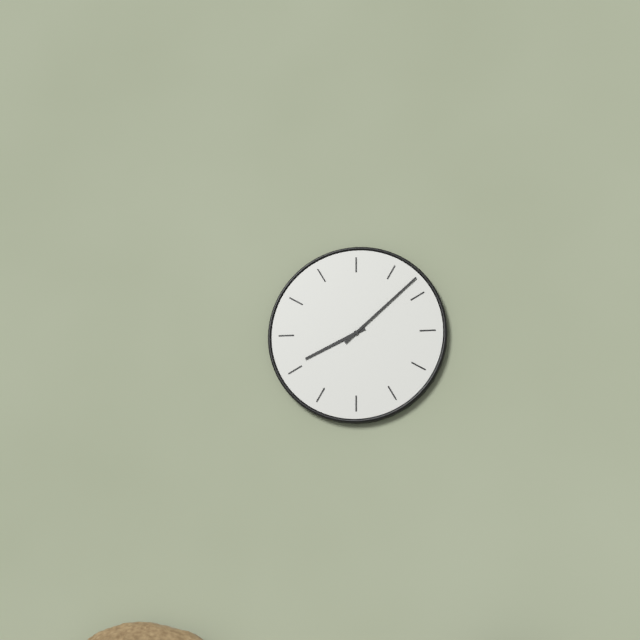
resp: 8h08
